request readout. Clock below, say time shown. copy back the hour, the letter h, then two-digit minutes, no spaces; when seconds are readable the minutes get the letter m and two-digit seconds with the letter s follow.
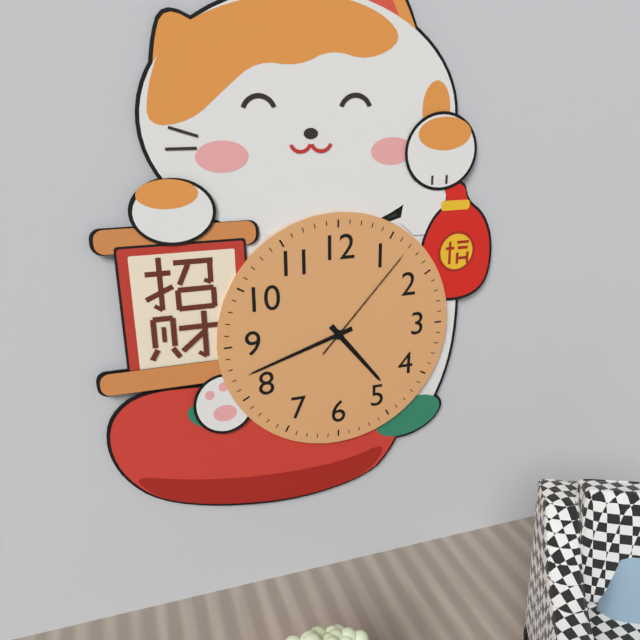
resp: 4h42m07s
